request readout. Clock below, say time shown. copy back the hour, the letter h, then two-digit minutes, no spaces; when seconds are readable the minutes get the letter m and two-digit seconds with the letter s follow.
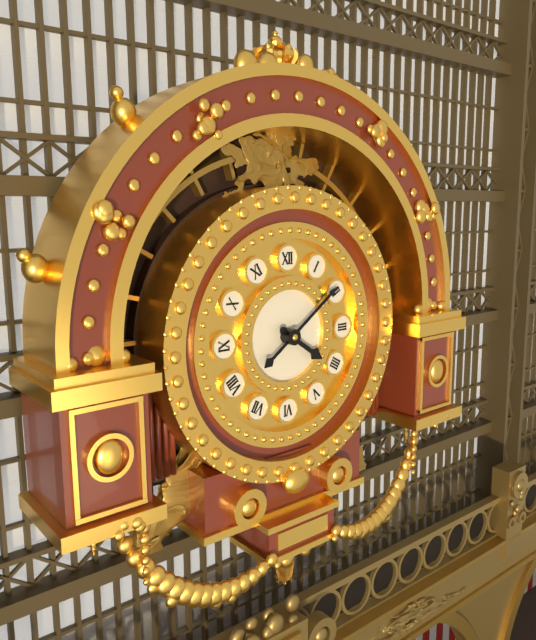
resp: 4h09
